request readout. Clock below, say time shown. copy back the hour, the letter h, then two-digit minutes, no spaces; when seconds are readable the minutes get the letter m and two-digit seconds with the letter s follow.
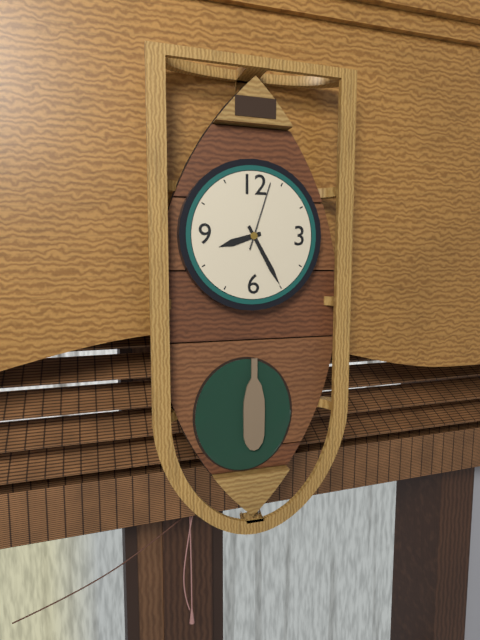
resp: 8h25m03s
